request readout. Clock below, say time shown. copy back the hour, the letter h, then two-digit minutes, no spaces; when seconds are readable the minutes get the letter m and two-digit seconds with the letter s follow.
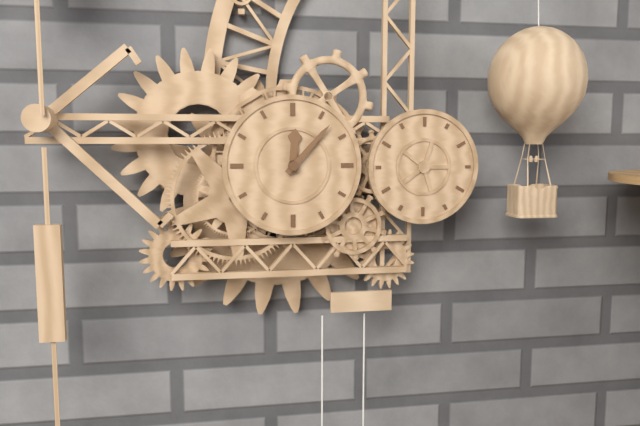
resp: 12h07
